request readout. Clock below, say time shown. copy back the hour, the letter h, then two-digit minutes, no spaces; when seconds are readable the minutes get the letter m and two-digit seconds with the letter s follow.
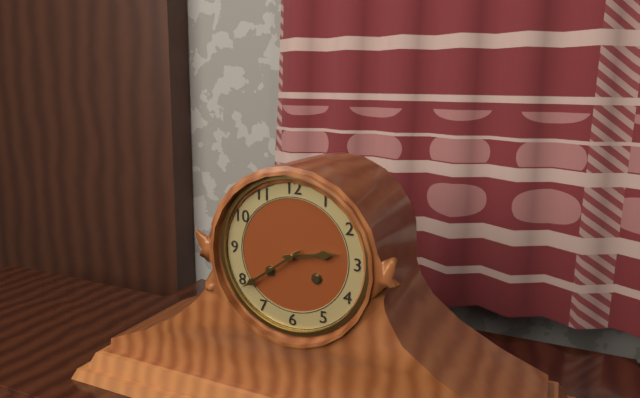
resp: 2h39
